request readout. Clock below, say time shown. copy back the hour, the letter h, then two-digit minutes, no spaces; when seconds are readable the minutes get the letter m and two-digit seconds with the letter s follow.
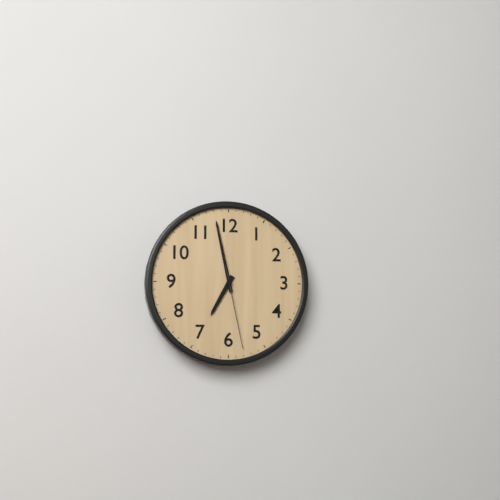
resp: 6h58m28s
